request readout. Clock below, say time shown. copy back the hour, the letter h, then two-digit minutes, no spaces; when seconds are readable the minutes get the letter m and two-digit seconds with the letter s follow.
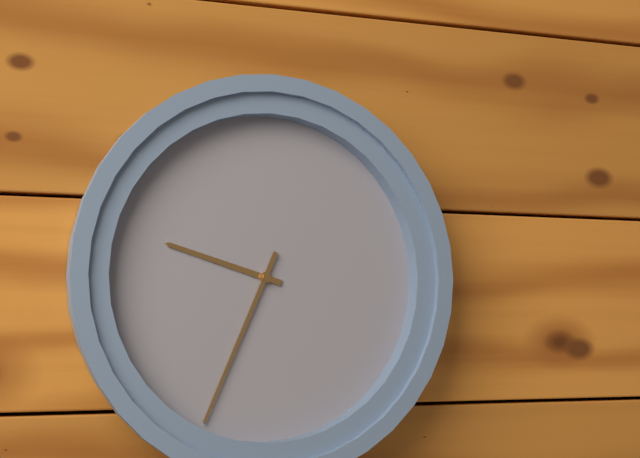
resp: 9h34
